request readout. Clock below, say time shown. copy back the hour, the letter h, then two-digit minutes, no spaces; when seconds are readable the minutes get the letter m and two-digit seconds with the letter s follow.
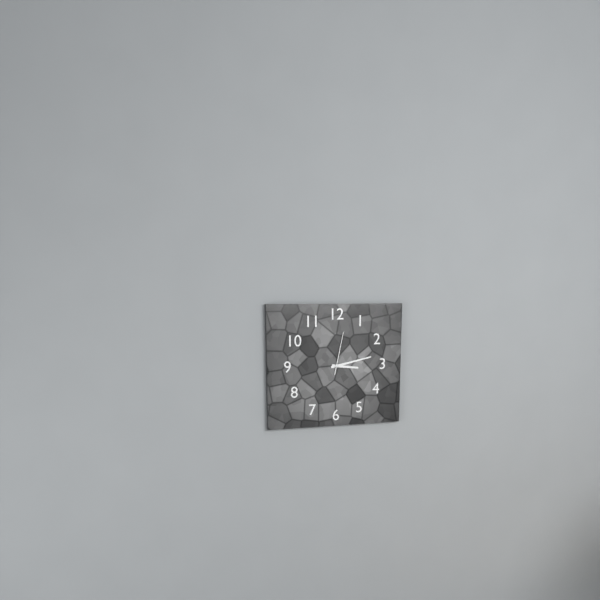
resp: 3h13
